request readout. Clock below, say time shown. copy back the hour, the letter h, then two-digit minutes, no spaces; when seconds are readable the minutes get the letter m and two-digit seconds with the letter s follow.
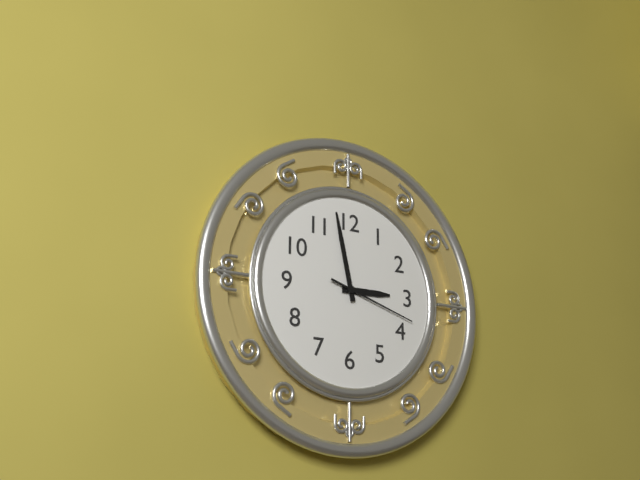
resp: 2h58m18s
